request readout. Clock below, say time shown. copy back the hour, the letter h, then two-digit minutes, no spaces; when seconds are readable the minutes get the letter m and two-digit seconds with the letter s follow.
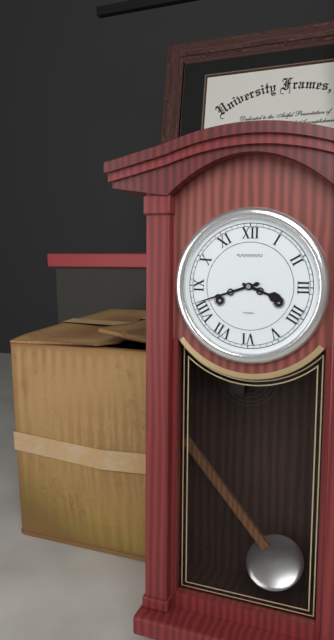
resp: 3h42
